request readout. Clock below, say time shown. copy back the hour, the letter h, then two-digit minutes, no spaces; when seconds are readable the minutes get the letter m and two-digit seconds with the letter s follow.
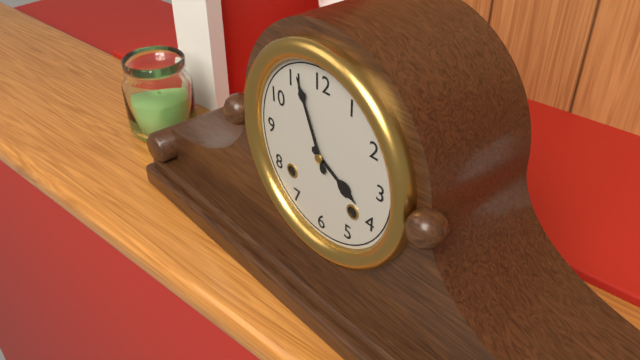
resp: 3h56
